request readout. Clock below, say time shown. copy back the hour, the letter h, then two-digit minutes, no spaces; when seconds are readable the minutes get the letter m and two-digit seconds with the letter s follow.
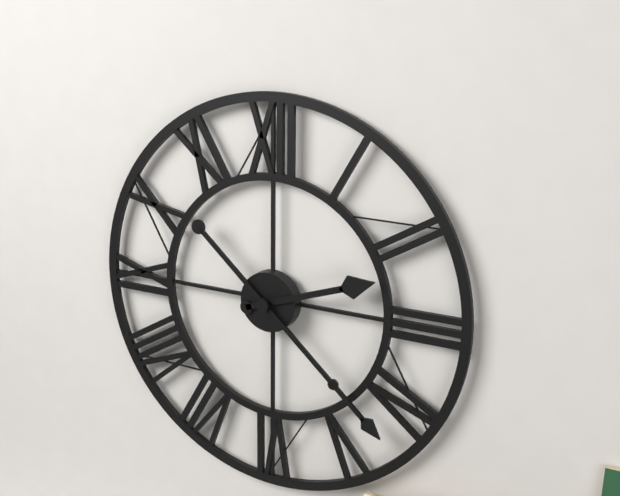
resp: 2h22
